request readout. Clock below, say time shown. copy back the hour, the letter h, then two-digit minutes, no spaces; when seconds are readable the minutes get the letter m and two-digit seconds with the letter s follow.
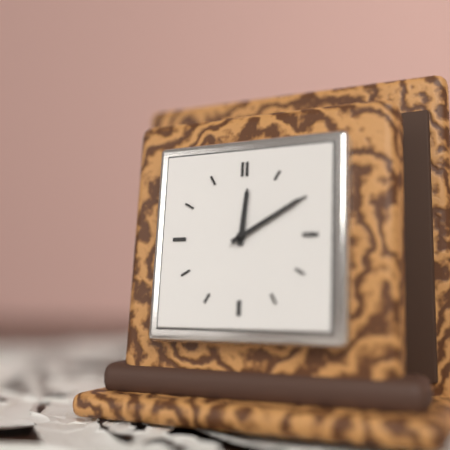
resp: 12h10
